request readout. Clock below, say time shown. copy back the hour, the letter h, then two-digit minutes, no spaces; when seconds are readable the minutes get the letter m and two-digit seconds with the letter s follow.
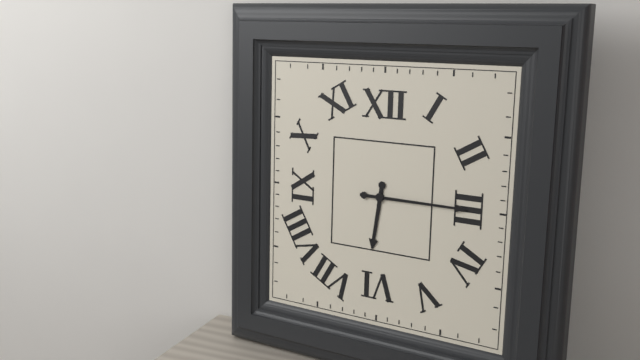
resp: 6h15
